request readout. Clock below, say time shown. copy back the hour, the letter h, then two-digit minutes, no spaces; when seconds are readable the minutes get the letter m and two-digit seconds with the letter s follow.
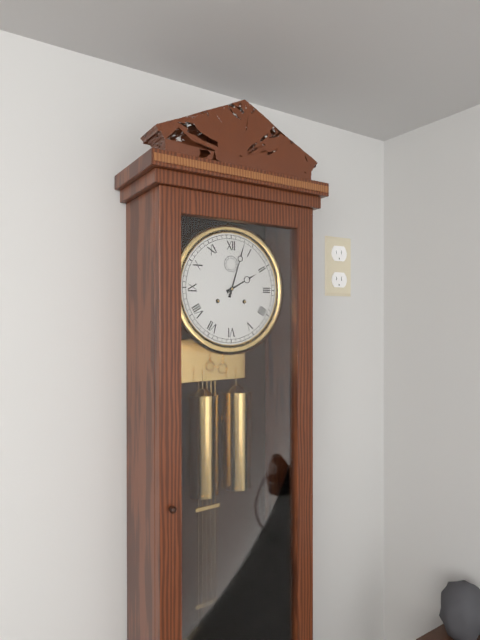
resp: 2h03
